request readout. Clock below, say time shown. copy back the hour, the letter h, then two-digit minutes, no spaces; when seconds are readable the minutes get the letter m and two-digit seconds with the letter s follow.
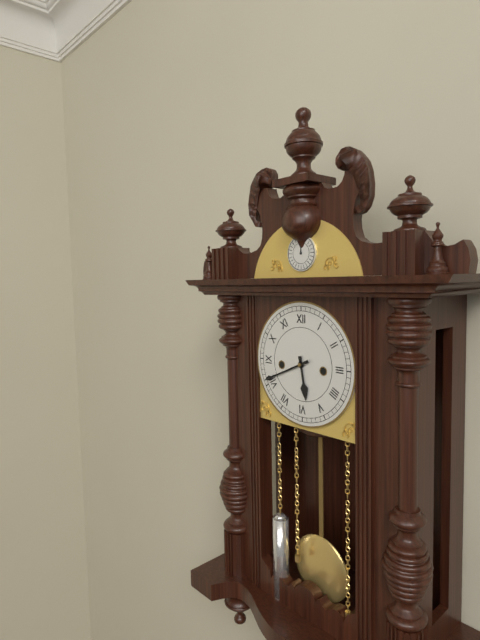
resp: 5h41
